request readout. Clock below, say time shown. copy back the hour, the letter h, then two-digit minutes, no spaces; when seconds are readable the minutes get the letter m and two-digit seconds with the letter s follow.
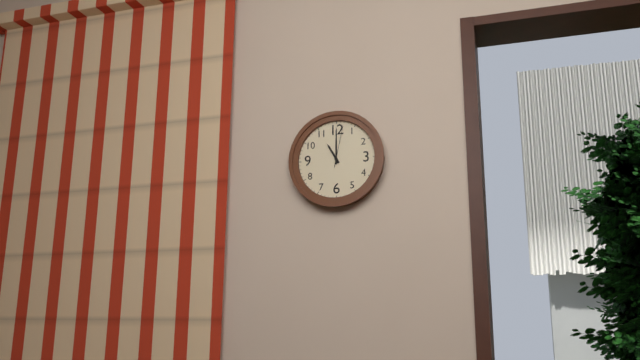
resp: 11h00
